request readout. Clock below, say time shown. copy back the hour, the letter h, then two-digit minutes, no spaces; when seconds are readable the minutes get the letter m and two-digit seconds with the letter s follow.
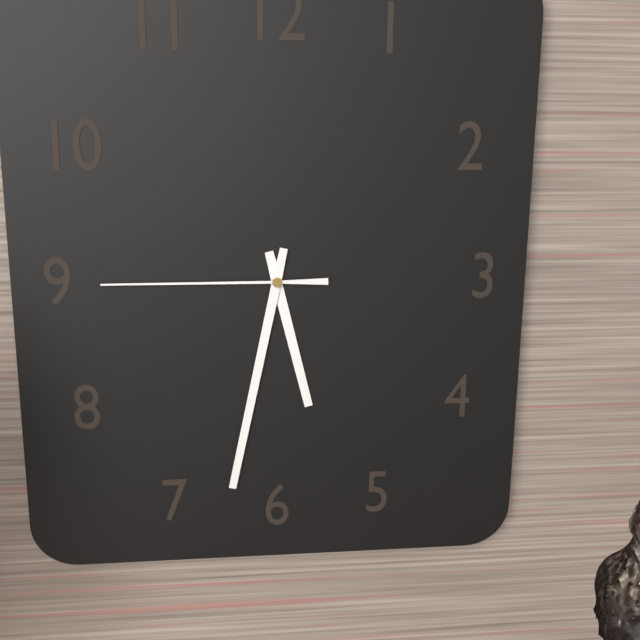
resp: 5h32m45s
